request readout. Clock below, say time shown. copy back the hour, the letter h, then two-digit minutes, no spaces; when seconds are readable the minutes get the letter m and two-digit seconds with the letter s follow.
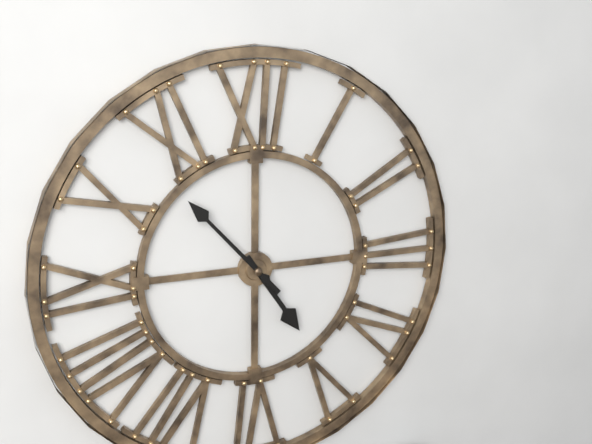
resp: 4h53
